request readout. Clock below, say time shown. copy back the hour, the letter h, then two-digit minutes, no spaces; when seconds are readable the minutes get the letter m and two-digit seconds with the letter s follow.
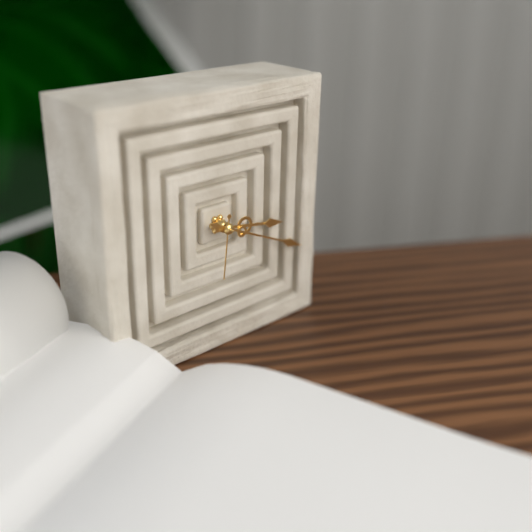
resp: 3h19m31s
